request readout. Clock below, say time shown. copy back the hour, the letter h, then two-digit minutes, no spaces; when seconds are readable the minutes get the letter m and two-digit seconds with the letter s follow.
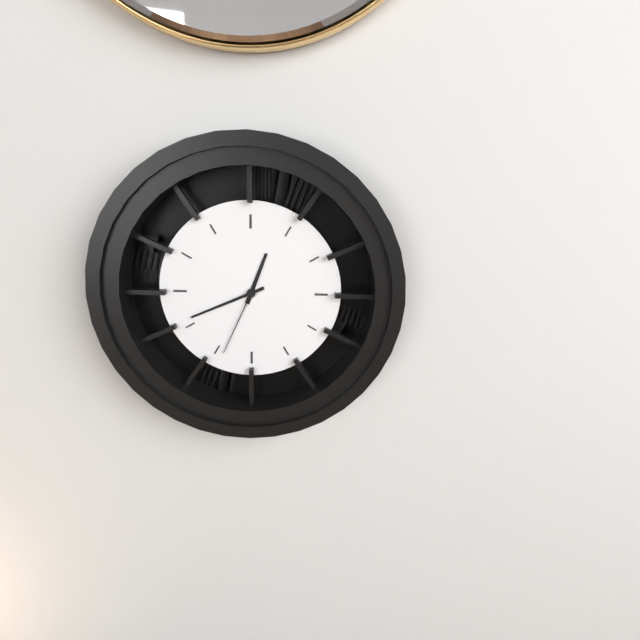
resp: 12h41m34s
